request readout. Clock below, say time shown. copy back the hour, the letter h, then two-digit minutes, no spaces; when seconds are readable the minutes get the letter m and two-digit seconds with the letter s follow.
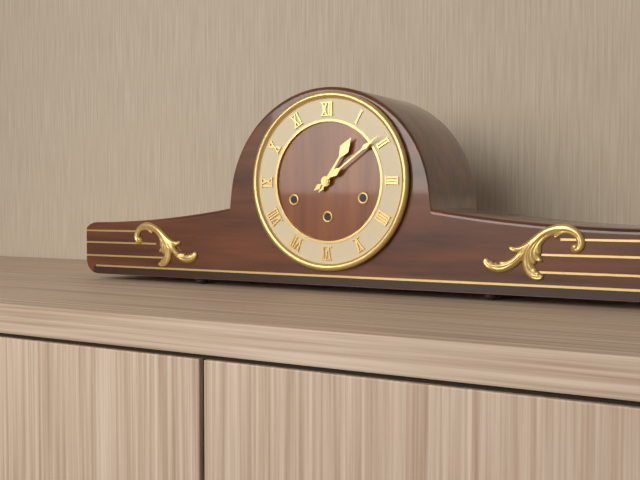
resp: 1h09
